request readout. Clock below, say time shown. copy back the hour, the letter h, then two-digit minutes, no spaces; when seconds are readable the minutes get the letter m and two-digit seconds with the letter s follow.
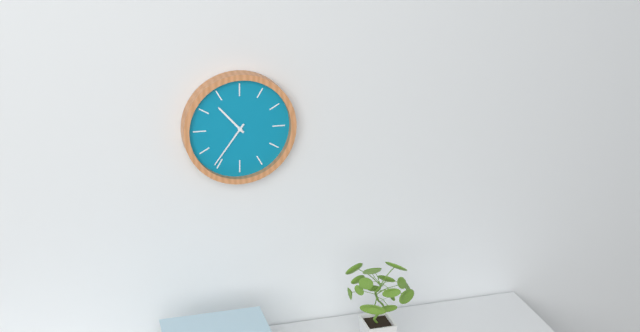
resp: 10h36
